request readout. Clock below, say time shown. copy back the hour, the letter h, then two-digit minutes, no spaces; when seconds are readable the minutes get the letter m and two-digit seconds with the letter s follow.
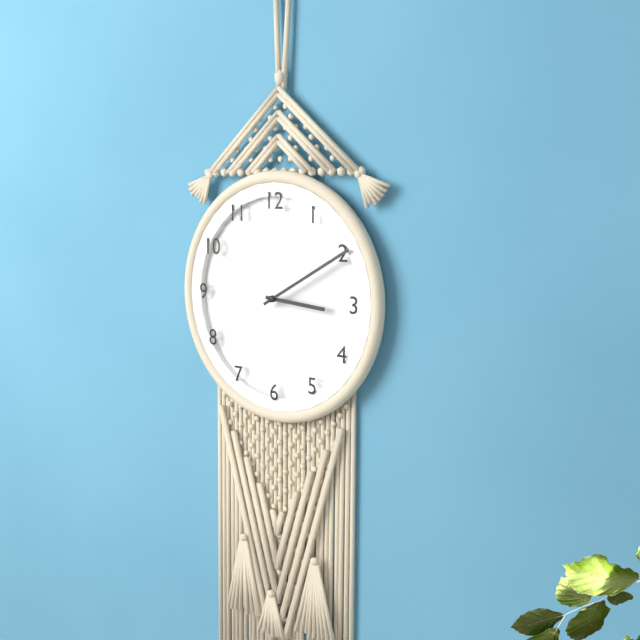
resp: 3h10
